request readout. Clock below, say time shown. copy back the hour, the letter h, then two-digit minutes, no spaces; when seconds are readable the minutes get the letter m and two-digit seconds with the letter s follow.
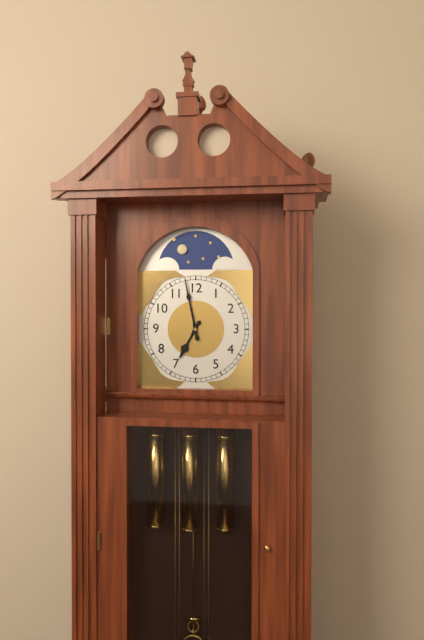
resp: 6h58
